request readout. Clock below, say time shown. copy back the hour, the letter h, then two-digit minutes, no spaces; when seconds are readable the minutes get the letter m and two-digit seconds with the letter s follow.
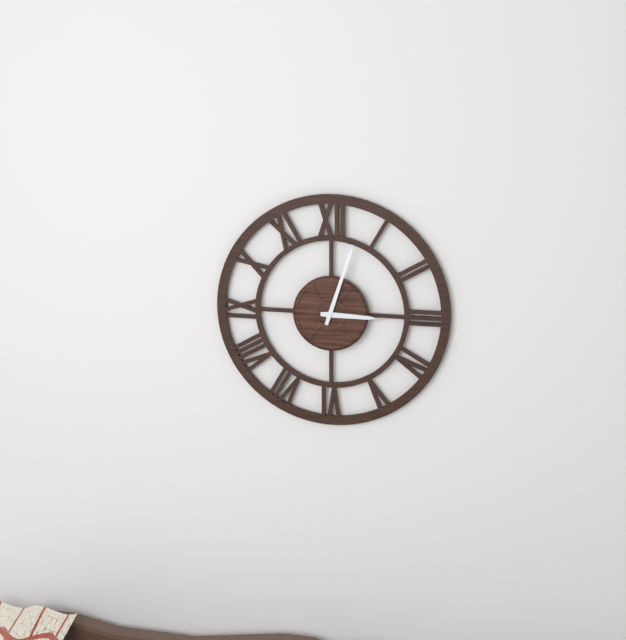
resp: 3h03
